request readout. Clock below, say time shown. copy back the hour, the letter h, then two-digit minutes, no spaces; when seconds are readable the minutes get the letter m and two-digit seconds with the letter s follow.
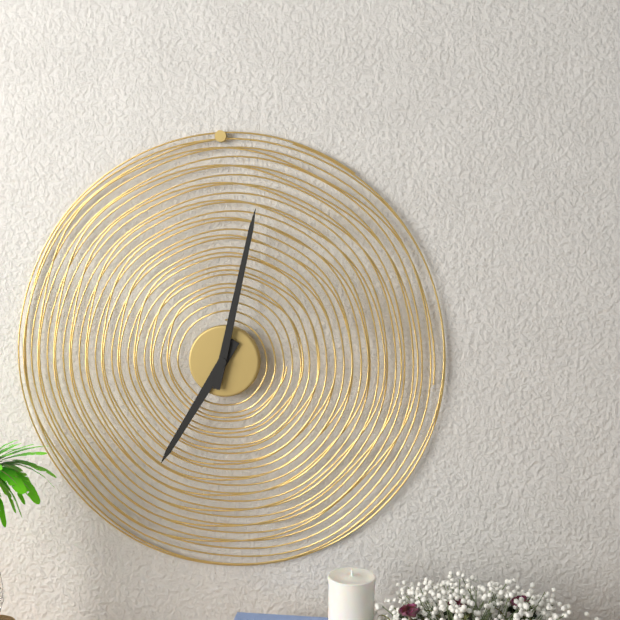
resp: 7h02
